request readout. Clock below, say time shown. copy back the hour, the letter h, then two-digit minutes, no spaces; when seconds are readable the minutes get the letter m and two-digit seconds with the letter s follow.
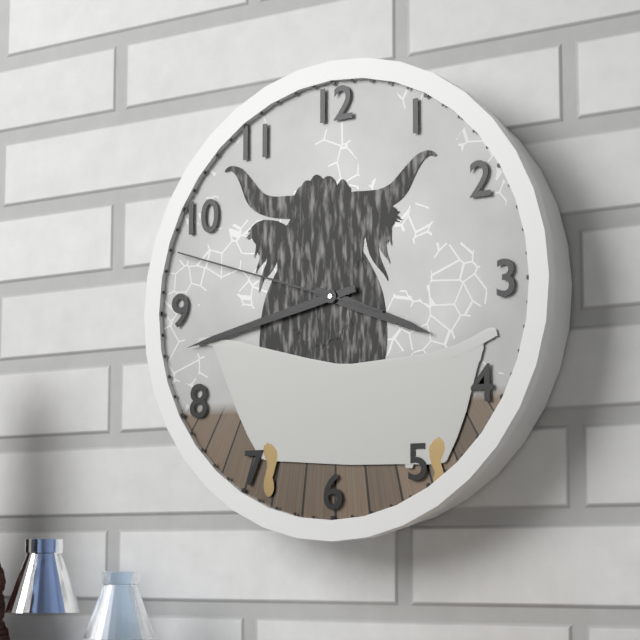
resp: 3h43m48s
